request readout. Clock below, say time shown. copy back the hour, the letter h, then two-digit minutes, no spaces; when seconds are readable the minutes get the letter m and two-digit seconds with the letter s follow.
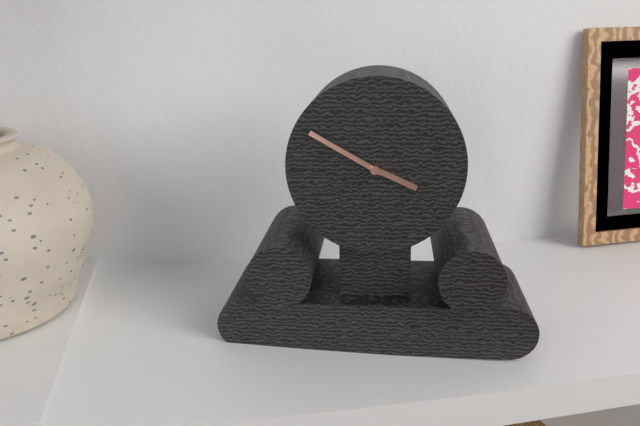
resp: 3h50
